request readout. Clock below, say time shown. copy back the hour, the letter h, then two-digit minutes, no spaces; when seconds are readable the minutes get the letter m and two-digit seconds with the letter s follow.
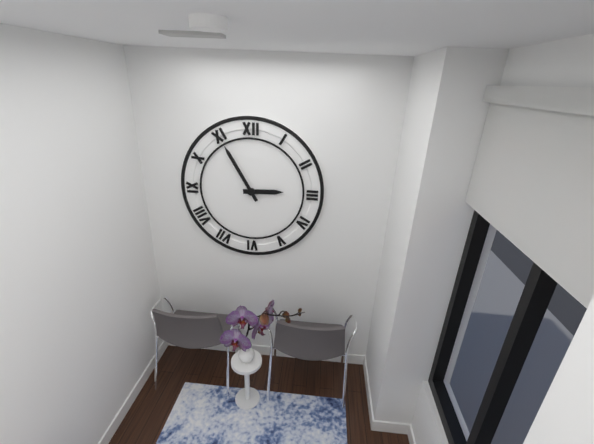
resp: 2h55
